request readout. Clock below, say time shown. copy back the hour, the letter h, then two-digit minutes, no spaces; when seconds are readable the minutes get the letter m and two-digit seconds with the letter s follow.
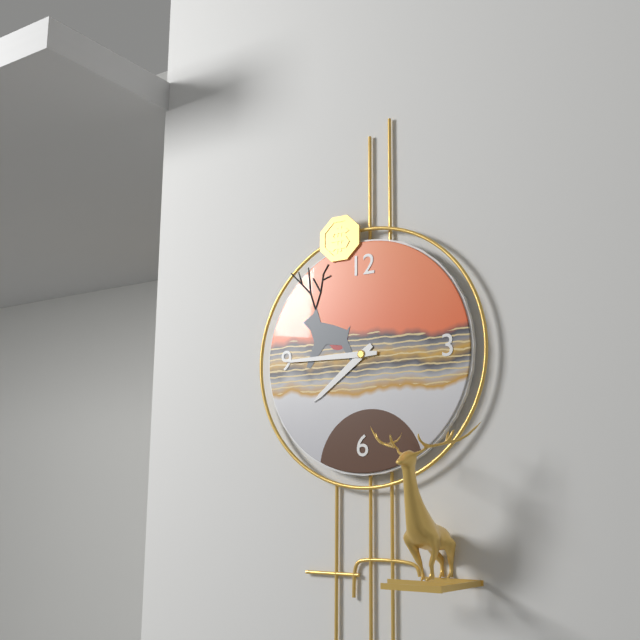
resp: 7h45
